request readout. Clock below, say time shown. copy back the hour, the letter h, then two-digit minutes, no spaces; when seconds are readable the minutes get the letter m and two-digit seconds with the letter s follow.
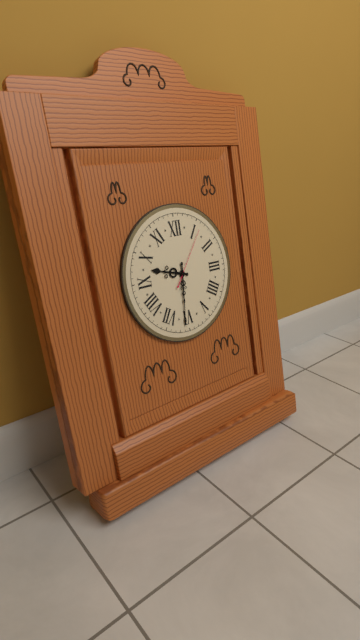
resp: 9h31m06s
